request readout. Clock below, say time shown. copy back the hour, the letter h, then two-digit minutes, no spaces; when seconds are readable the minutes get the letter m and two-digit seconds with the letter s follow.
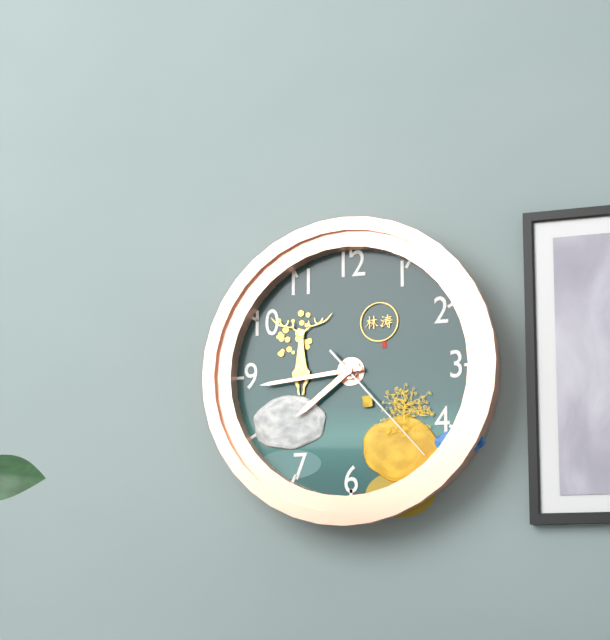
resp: 7h44m23s
